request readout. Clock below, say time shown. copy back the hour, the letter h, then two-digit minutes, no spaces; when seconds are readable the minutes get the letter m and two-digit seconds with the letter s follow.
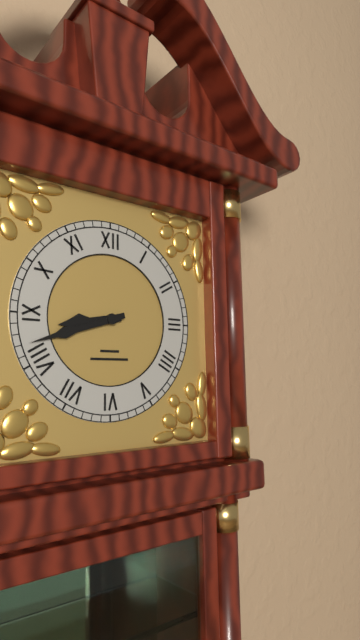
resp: 8h42
